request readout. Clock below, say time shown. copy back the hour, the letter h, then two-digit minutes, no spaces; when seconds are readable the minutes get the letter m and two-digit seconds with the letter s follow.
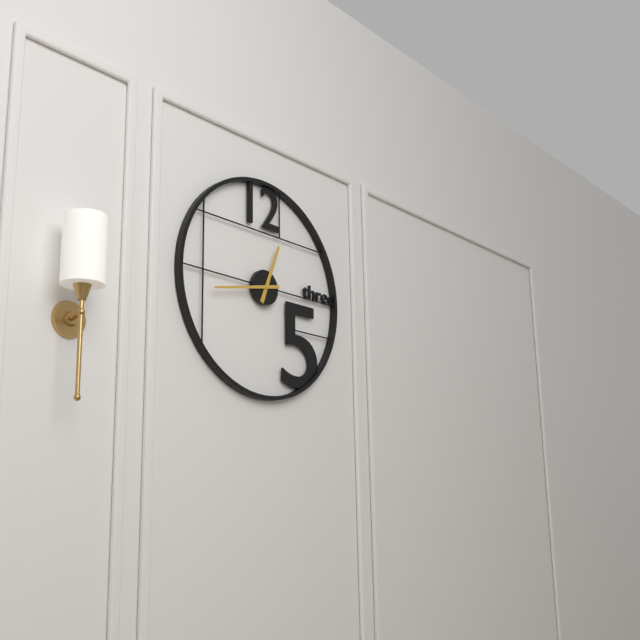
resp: 12h43
